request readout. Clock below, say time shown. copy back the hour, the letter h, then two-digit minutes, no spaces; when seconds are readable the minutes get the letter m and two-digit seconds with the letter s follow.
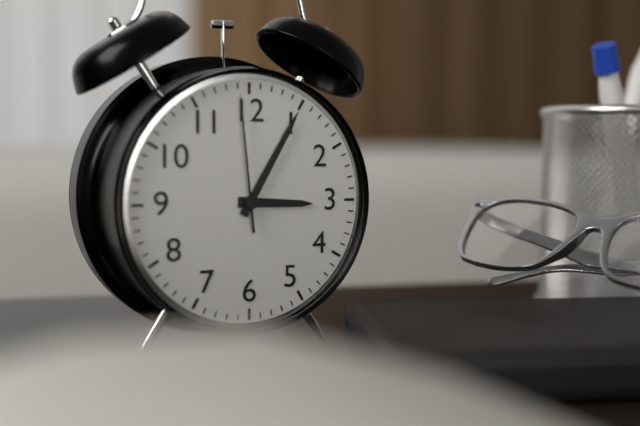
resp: 3h05m59s
